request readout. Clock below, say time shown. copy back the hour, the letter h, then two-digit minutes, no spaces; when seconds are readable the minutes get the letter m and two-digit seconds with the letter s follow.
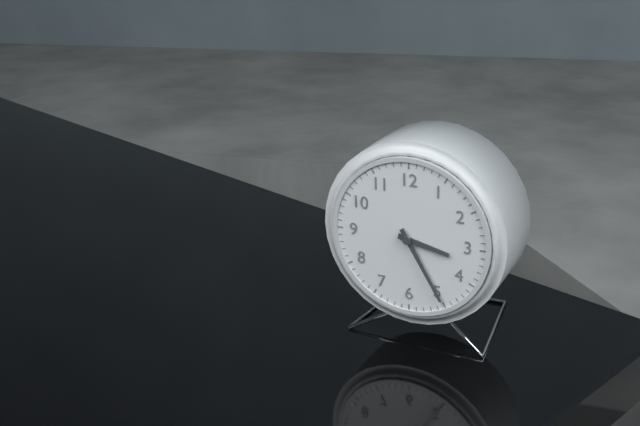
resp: 3h25
